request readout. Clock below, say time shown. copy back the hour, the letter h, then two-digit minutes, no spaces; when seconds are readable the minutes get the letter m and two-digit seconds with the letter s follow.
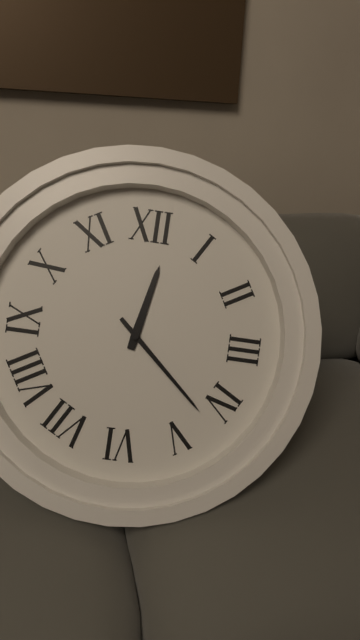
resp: 12h22
